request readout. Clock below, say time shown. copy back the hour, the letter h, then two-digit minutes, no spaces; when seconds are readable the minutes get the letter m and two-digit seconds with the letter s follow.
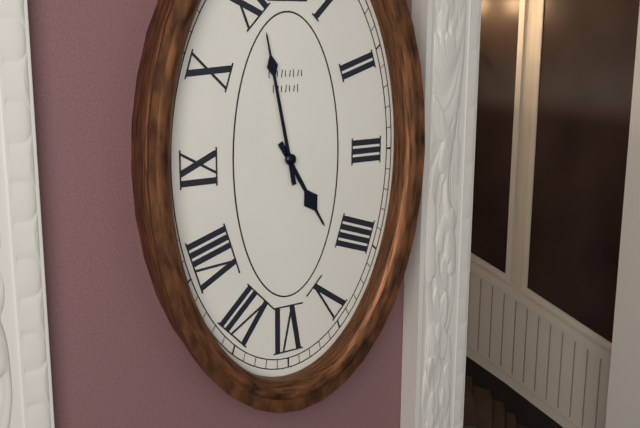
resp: 4h58
